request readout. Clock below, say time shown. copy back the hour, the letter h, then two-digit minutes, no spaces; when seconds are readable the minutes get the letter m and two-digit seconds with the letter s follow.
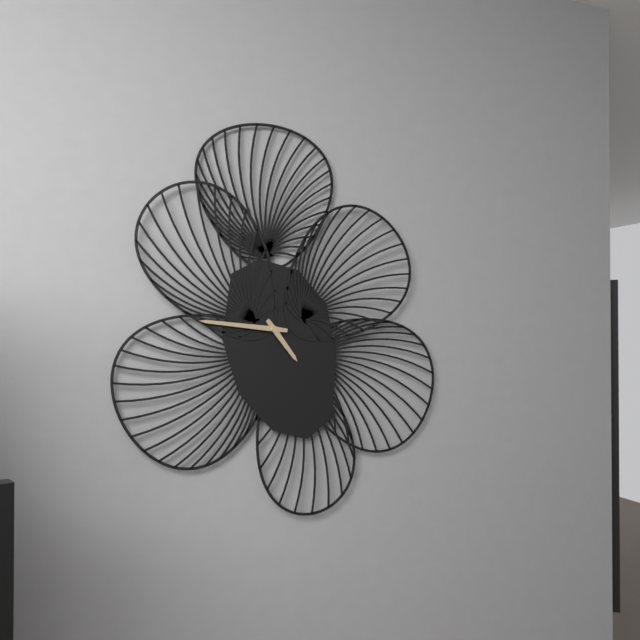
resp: 4h46
